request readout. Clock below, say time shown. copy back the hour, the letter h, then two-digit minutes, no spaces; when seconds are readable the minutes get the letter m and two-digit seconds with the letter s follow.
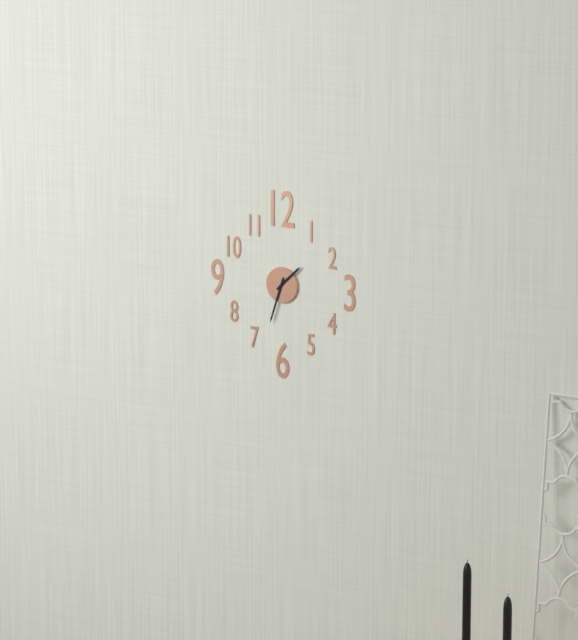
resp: 1h33
